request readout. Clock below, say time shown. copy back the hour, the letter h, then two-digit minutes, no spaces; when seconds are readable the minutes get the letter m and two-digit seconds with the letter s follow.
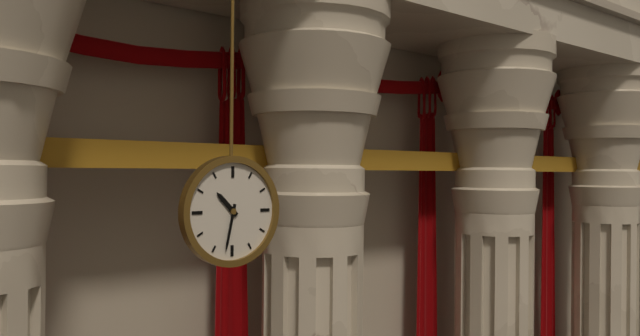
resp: 10h32
